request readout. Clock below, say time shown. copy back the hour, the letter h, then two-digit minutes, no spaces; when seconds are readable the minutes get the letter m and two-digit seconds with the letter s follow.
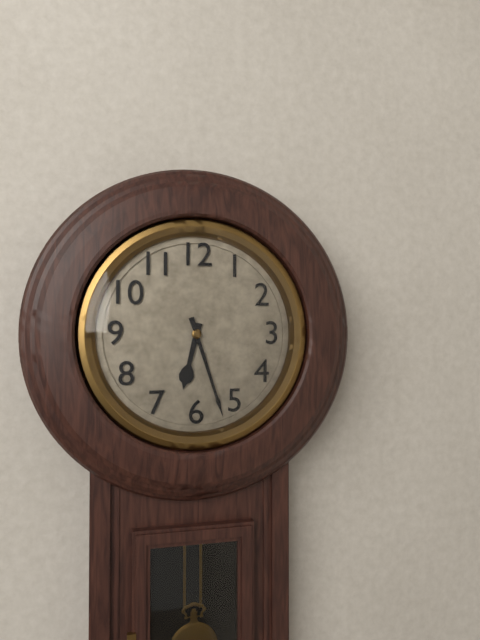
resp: 6h27
